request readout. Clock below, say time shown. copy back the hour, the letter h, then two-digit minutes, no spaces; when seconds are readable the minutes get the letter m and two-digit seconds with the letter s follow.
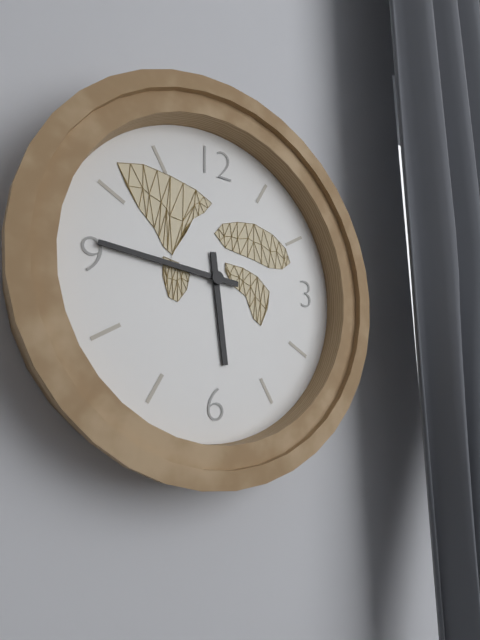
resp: 5h46
